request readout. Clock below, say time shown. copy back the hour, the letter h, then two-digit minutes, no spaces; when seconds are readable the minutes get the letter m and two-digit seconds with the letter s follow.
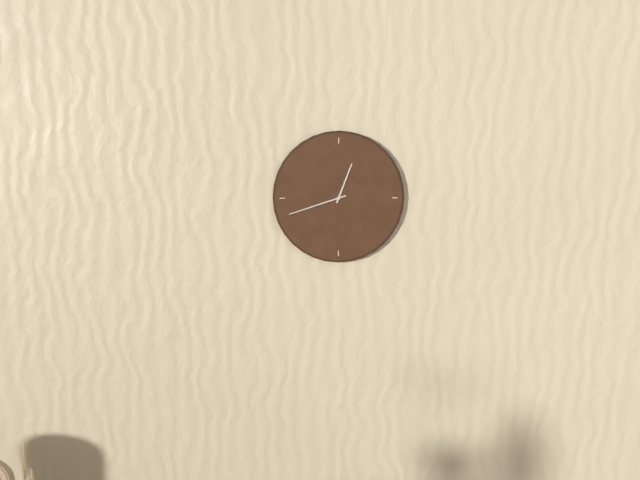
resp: 12h42
